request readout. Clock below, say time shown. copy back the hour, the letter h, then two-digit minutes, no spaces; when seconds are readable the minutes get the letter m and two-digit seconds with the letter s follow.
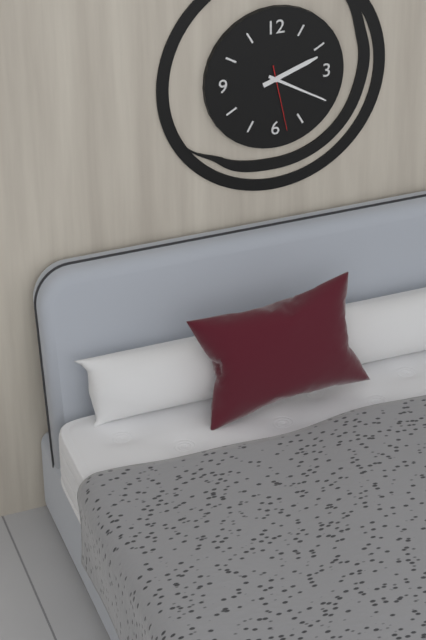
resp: 2h20m28s
